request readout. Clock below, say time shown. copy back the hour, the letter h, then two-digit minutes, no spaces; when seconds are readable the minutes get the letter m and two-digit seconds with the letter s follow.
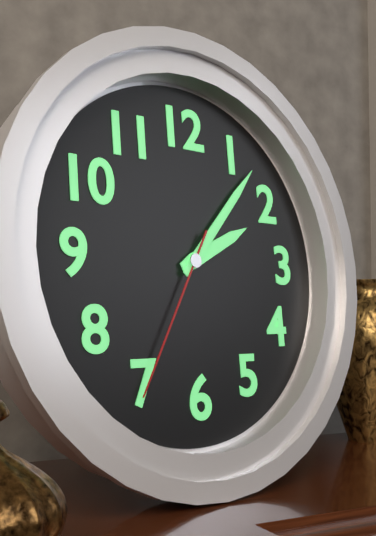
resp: 2h07m35s
